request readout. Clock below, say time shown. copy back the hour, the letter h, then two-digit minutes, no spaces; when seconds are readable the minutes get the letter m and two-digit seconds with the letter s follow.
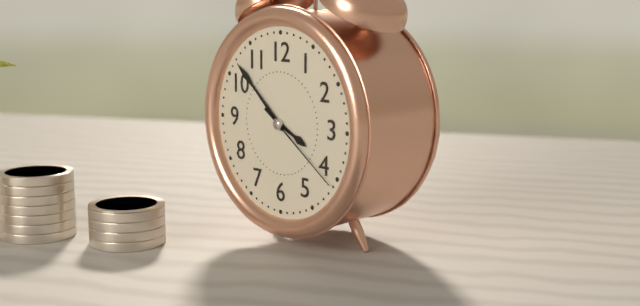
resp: 3h52m21s
